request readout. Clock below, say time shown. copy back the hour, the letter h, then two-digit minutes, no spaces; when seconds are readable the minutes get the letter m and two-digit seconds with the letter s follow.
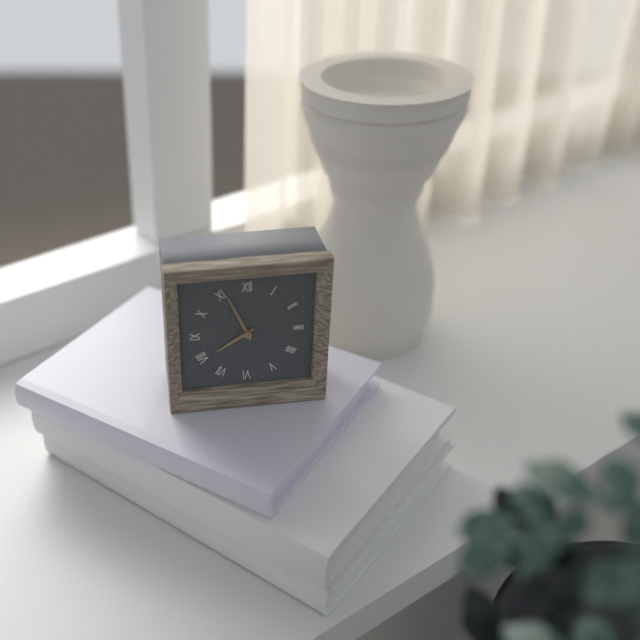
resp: 7h56
